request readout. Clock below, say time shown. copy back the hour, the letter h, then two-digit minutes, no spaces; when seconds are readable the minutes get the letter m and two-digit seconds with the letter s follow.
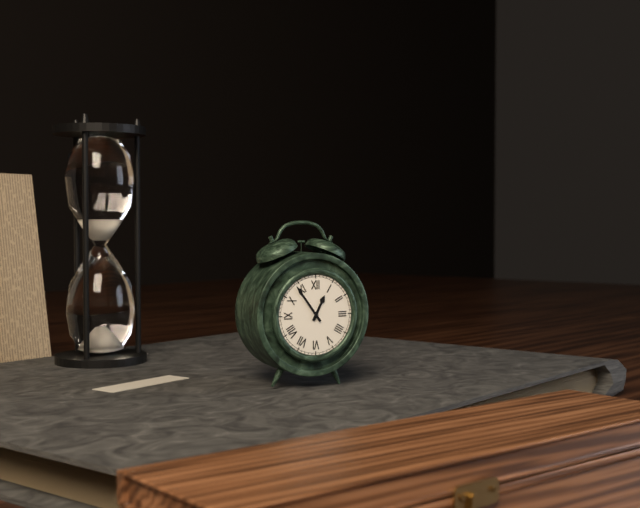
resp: 12h54
